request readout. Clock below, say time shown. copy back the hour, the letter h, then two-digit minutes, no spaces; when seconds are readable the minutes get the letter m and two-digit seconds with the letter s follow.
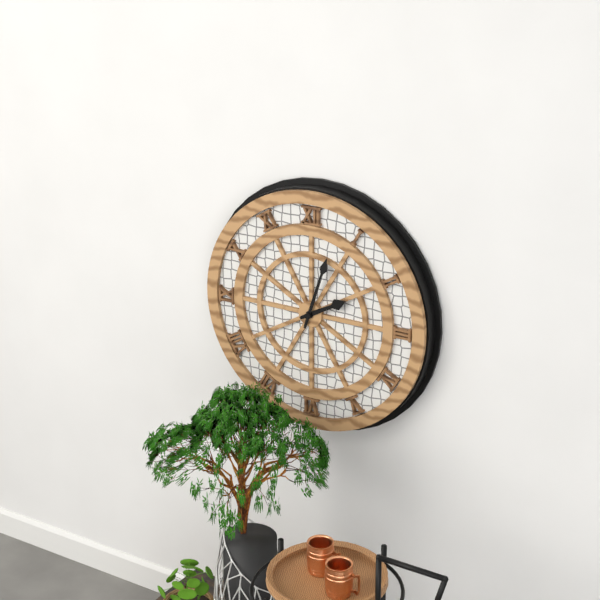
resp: 2h03
